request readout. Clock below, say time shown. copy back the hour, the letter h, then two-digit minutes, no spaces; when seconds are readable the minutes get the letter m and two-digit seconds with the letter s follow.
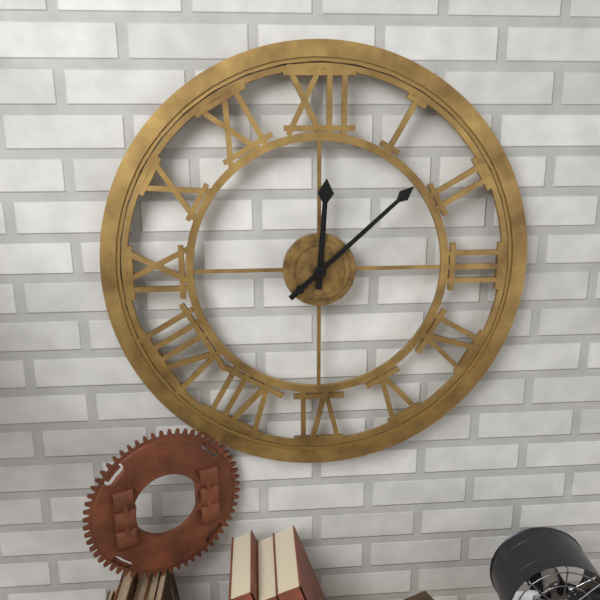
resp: 12h08
